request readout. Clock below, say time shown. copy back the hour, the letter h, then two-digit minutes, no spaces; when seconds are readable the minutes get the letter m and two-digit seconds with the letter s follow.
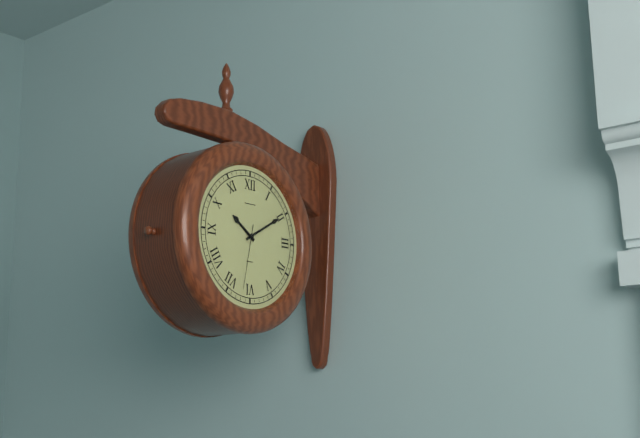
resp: 10h10m32s
